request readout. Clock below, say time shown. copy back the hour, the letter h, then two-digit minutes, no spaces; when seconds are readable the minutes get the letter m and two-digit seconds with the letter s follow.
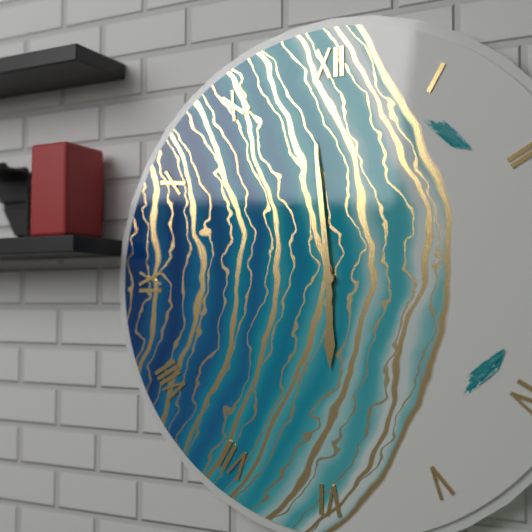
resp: 5h59
